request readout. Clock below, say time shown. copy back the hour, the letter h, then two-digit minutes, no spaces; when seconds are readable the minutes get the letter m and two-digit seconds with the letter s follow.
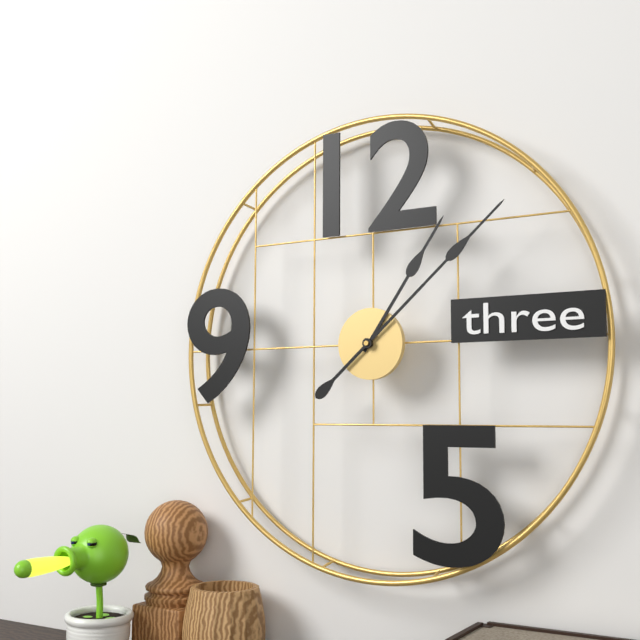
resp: 1h08
